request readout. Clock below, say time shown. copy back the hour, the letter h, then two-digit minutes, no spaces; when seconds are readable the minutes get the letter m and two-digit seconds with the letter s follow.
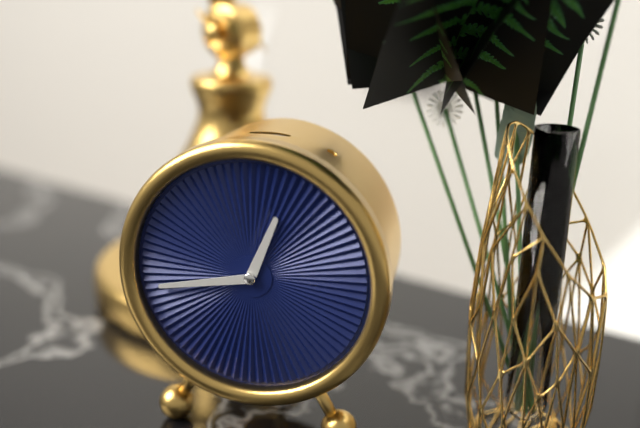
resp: 12h43
